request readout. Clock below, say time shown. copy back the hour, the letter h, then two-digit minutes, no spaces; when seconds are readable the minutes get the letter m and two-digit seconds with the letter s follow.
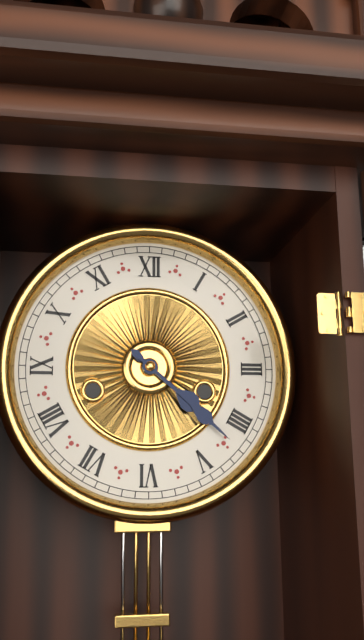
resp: 4h22
